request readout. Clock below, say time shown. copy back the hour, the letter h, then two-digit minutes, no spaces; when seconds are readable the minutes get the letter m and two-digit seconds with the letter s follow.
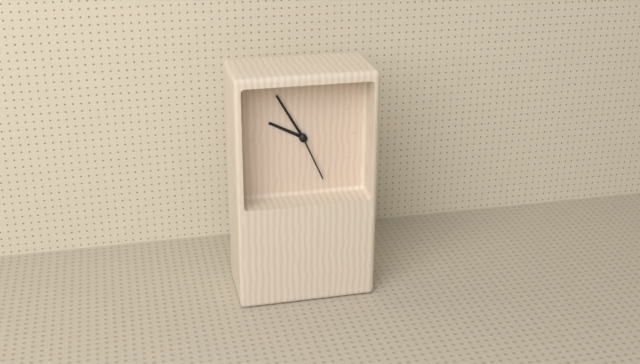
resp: 9h55m26s
